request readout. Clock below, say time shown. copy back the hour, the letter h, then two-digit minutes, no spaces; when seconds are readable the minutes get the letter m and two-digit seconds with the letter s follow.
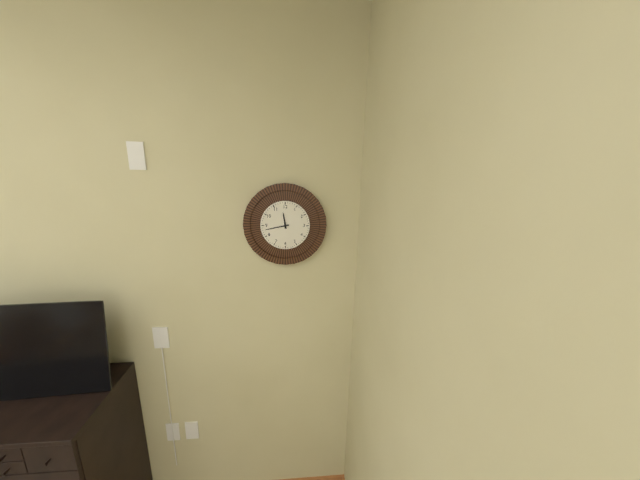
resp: 11h43
